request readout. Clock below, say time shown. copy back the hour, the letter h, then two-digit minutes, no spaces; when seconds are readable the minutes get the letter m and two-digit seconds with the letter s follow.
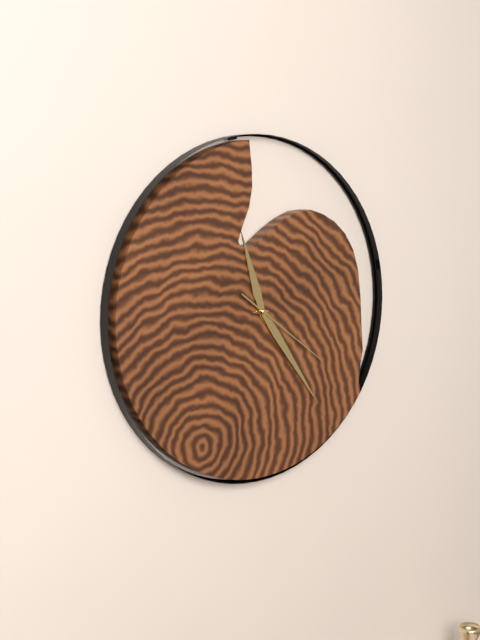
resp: 11h24m21s
